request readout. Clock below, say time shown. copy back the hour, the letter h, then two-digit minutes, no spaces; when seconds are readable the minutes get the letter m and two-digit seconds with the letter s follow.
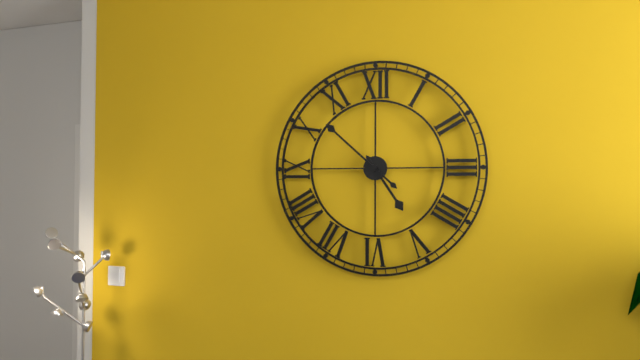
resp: 4h52
